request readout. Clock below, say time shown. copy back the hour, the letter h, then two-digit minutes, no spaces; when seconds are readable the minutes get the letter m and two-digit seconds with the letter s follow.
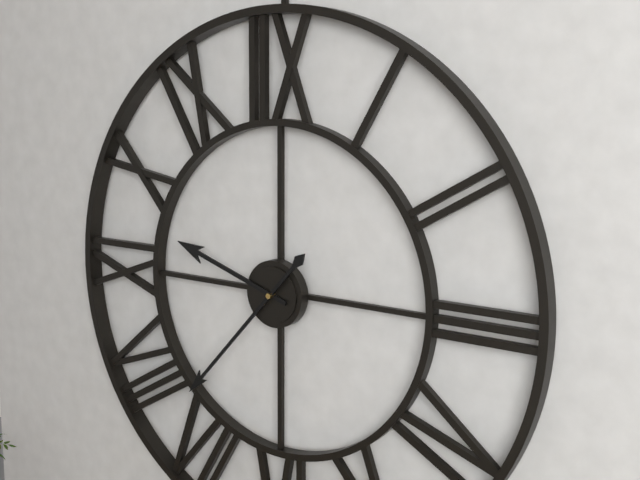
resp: 9h37
